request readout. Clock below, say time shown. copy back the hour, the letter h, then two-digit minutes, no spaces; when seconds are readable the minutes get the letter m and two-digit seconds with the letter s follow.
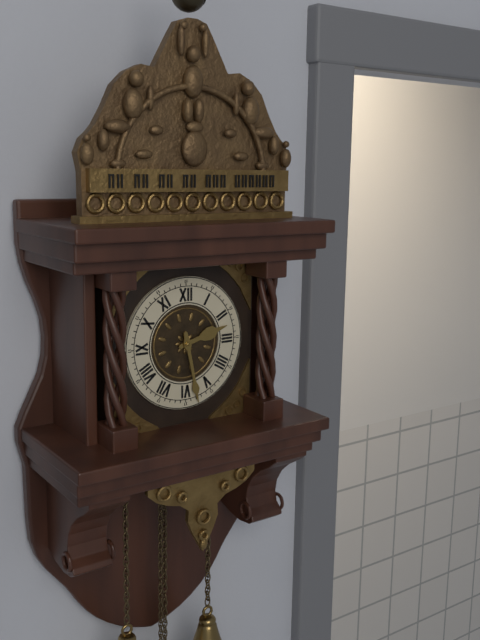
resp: 2h28
